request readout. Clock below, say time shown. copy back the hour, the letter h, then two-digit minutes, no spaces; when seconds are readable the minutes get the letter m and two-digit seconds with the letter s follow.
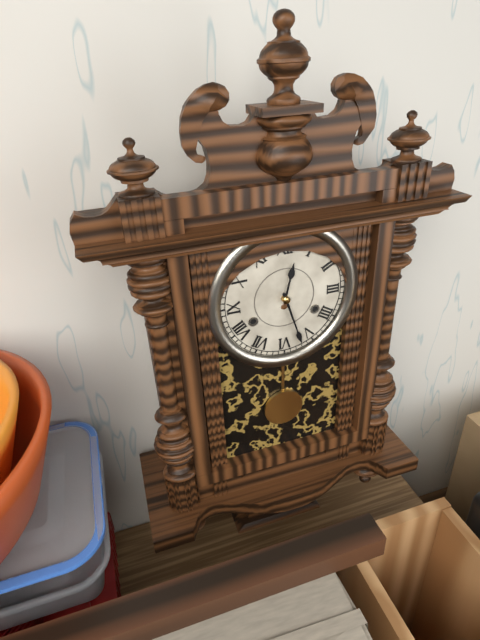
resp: 12h27
